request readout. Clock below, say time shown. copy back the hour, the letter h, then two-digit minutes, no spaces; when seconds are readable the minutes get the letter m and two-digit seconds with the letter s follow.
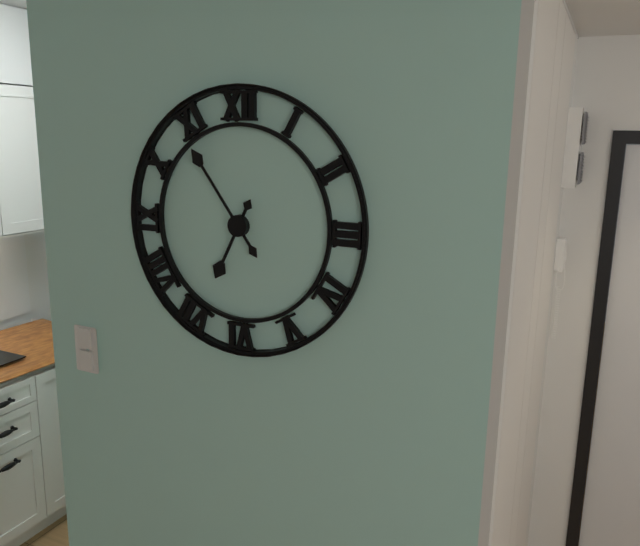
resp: 6h54
